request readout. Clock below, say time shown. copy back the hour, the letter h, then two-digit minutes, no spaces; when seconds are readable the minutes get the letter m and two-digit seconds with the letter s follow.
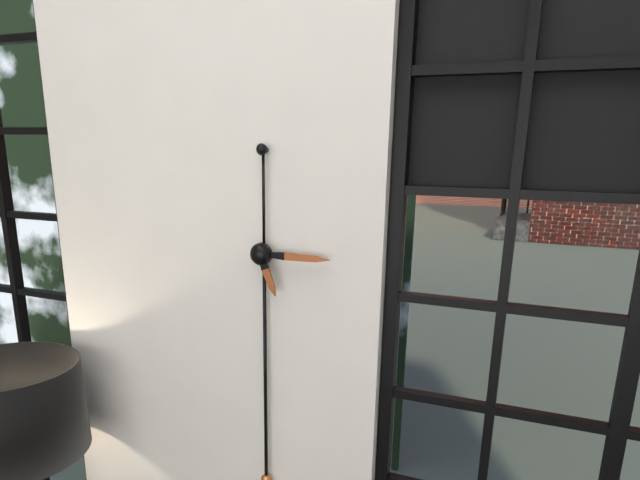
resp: 5h15
